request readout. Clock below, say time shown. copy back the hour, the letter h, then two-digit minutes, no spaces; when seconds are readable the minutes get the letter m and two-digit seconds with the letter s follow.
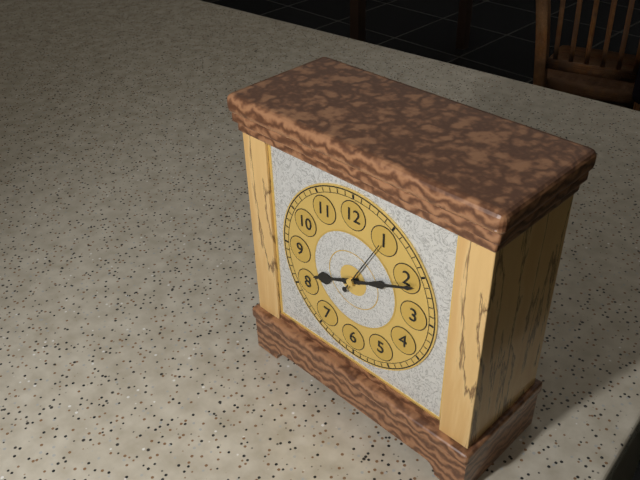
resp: 8h11m05s
